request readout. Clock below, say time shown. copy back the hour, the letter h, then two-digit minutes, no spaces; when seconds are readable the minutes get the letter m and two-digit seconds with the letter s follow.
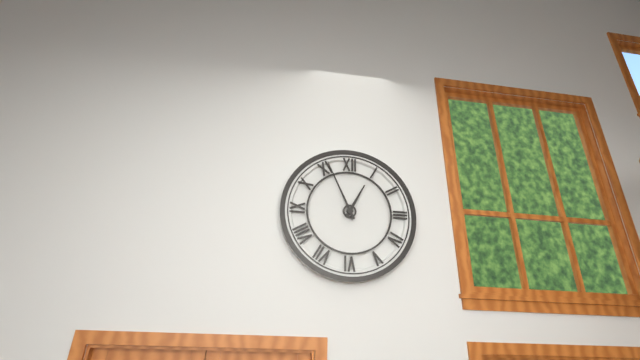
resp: 12h56
